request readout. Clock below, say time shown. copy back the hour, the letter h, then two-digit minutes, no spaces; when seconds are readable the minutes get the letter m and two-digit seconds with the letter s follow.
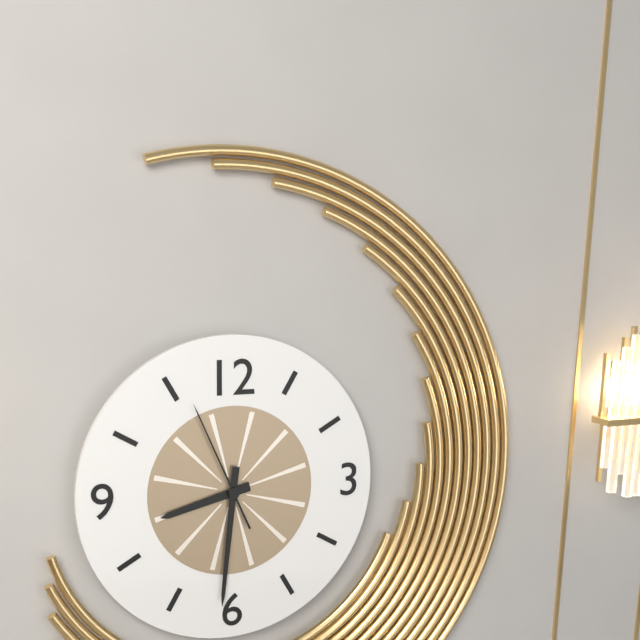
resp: 8h31m56s
